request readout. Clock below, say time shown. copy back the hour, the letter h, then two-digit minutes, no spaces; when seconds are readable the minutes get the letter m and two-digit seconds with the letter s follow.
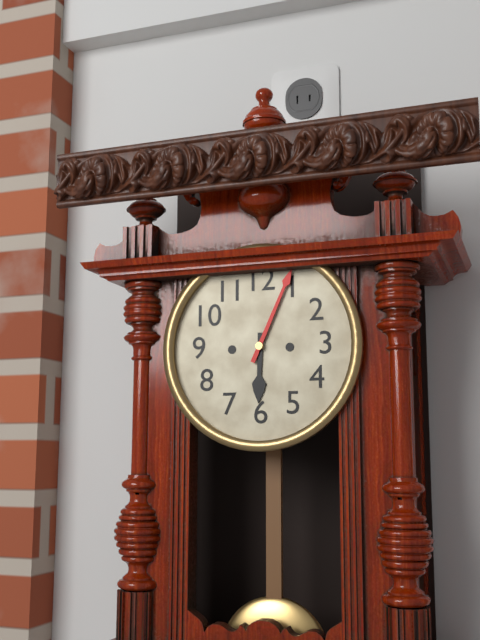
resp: 6h04
